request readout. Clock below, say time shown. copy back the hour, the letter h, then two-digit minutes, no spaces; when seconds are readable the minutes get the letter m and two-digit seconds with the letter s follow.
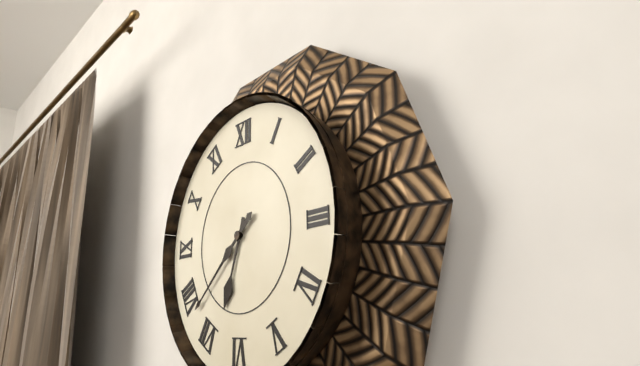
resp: 6h38
